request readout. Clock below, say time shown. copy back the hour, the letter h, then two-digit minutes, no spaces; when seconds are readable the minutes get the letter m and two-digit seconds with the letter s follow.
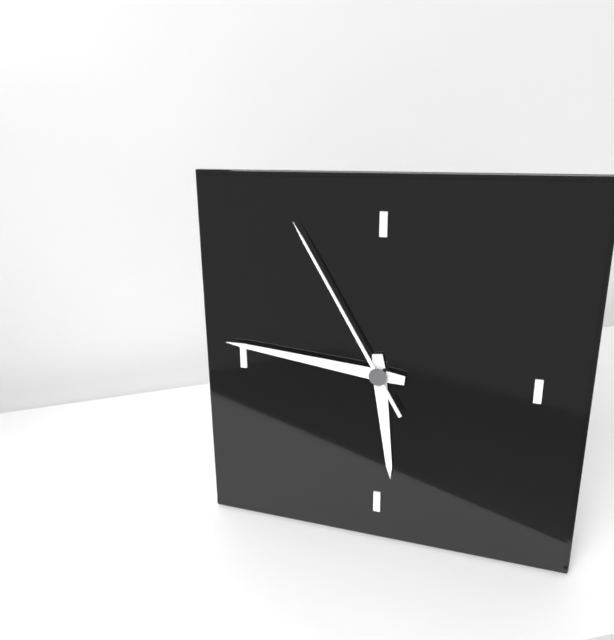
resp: 5h46m55s
